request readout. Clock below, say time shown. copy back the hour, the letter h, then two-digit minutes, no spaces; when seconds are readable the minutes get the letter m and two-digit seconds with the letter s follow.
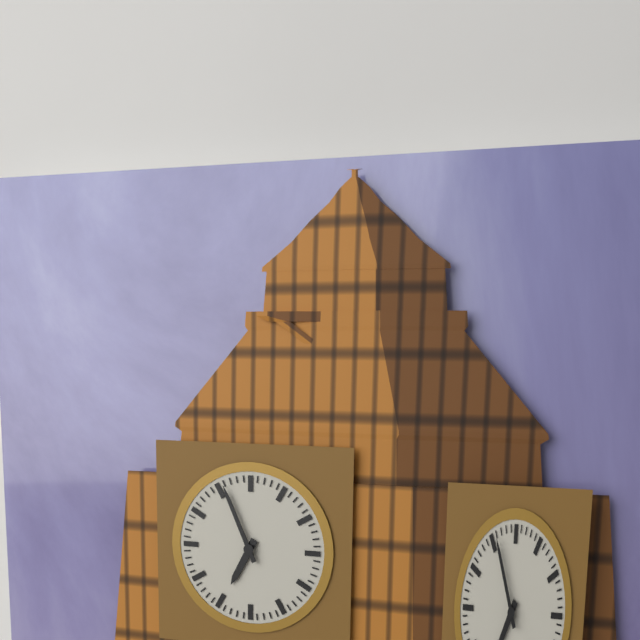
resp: 6h56
